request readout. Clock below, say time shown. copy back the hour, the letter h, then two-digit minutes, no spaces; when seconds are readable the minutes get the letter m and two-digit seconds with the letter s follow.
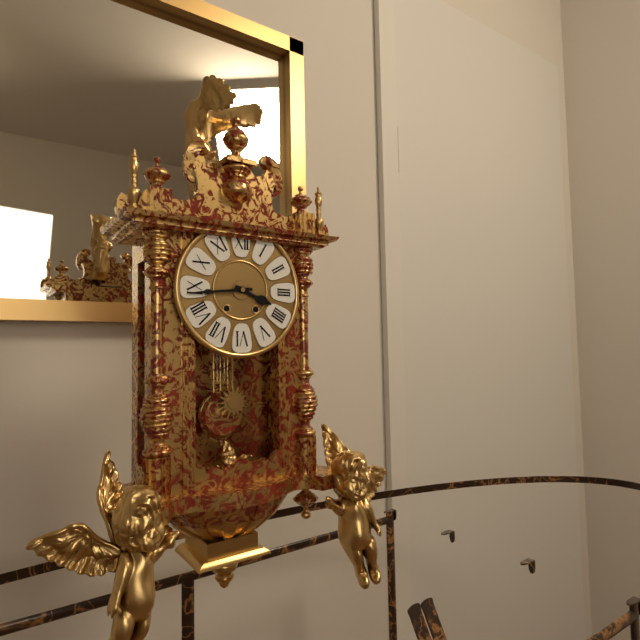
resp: 3h44
